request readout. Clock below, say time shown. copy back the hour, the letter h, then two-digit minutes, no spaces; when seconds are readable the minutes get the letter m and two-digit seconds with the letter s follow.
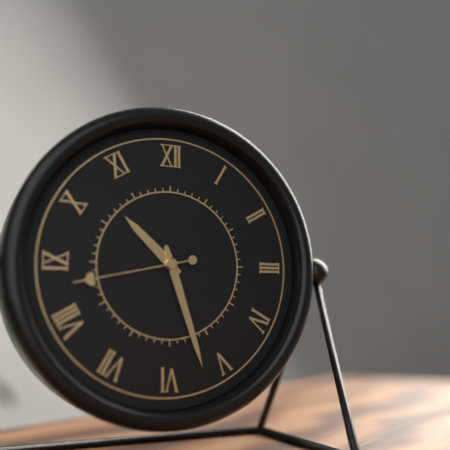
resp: 10h27m43s
